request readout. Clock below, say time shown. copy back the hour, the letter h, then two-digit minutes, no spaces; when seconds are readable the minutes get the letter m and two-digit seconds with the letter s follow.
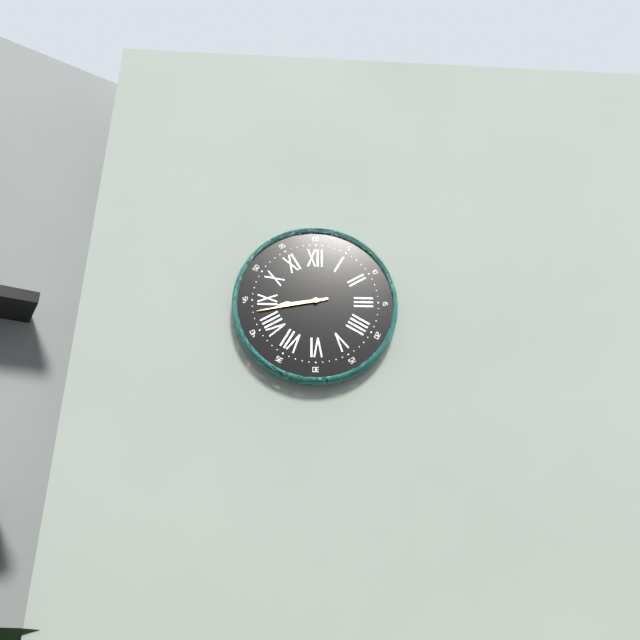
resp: 8h43
